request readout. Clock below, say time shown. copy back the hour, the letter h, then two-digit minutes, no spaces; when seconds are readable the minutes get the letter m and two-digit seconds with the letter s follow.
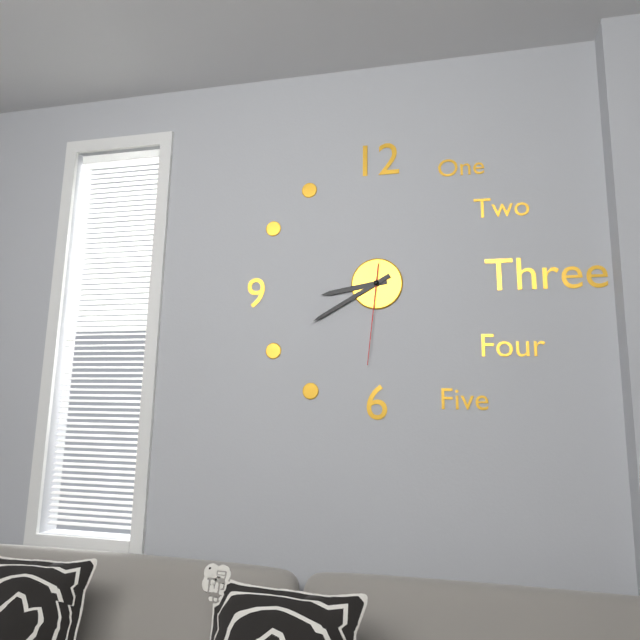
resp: 8h40m31s
